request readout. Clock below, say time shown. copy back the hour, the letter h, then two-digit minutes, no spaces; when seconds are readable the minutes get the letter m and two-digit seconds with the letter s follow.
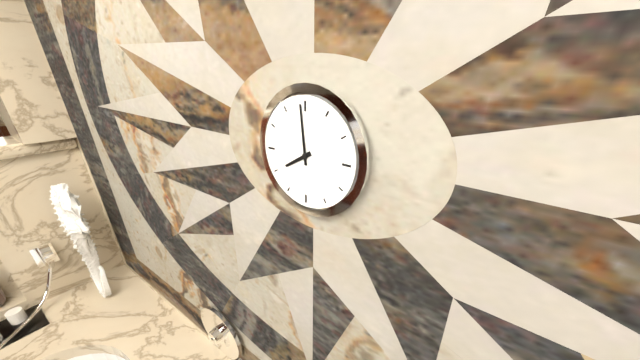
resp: 7h59
